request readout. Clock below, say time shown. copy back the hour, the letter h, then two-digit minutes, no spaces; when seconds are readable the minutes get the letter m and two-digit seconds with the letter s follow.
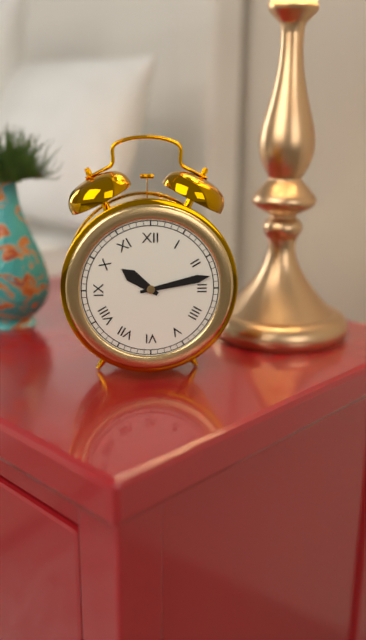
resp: 10h13
